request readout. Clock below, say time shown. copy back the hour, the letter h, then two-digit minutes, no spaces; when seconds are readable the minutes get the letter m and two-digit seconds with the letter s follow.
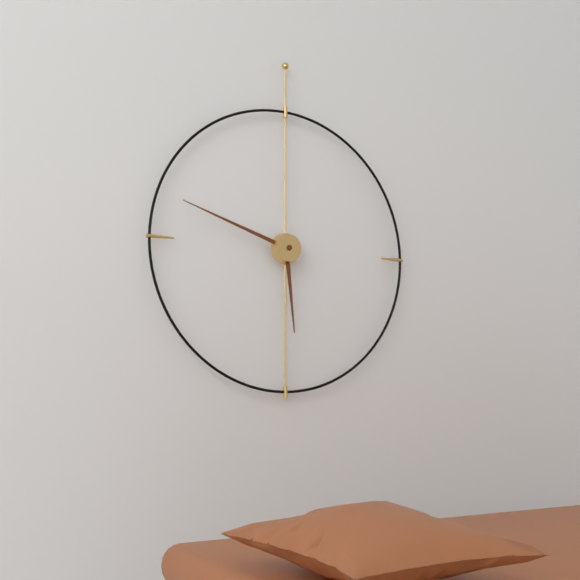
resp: 5h48
